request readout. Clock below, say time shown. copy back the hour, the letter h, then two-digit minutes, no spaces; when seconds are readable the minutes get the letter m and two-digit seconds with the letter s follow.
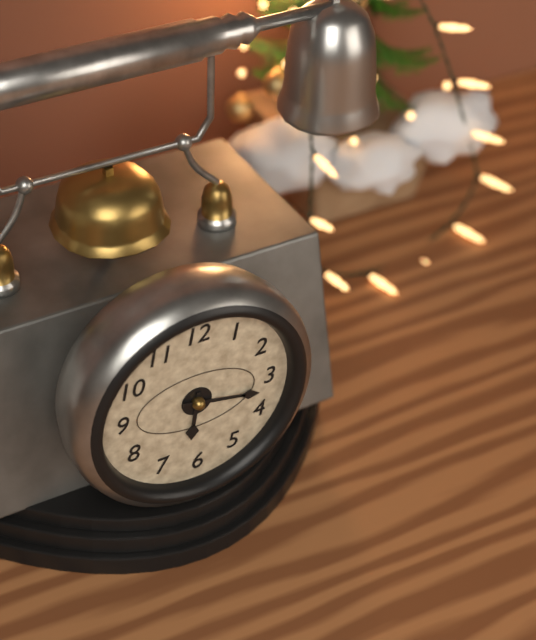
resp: 6h17
